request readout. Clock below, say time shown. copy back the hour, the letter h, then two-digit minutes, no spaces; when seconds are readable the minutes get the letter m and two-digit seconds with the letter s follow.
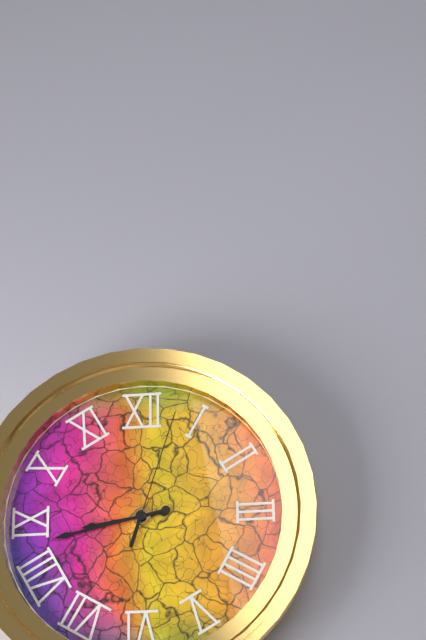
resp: 8h43m03s
